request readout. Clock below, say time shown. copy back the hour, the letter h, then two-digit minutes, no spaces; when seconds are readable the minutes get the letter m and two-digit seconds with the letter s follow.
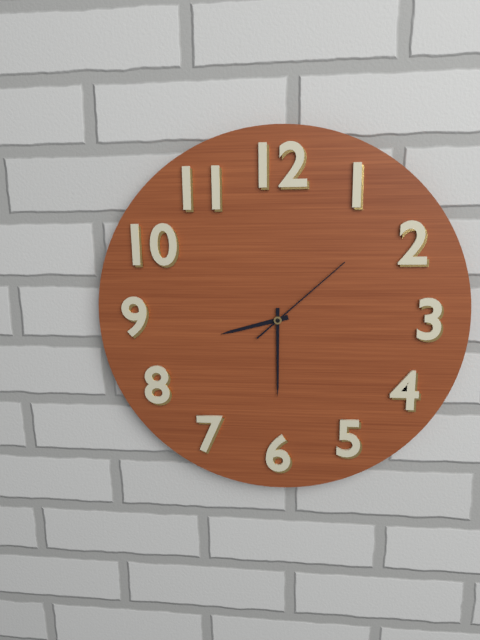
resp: 8h30m08s
